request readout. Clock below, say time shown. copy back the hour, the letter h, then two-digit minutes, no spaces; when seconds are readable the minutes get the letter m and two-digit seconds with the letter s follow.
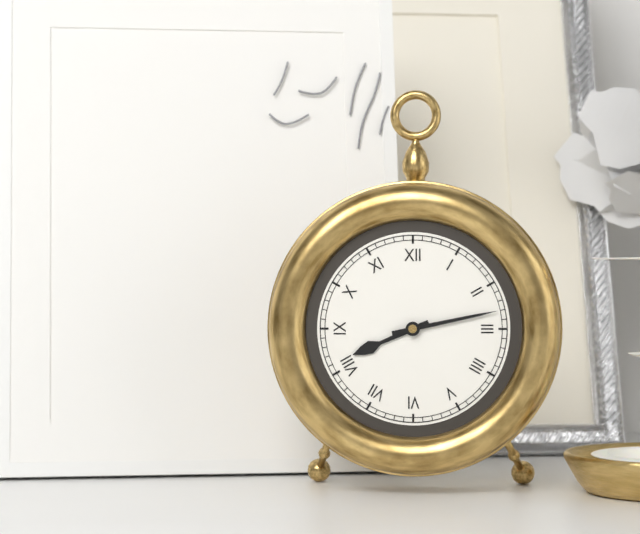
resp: 8h13
